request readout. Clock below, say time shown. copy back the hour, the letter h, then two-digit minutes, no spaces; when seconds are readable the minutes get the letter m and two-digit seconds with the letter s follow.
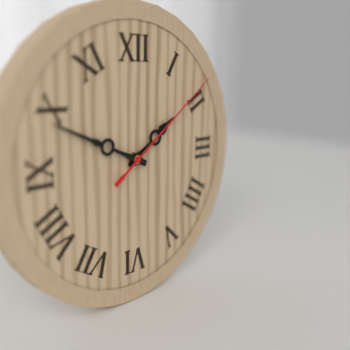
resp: 1h49m09s
